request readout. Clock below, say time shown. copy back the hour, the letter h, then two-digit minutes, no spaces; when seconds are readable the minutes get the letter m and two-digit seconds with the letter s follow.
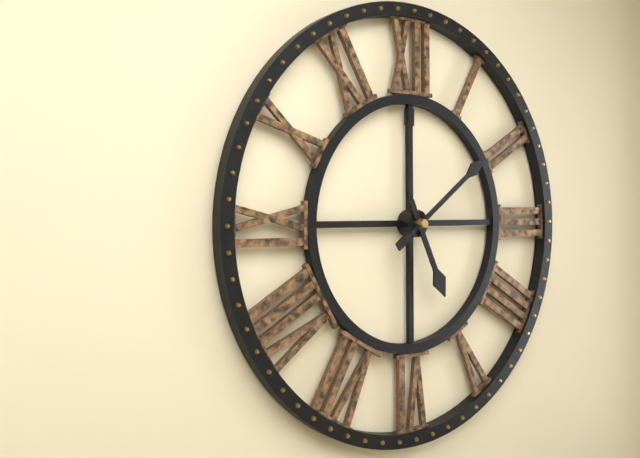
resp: 5h09
